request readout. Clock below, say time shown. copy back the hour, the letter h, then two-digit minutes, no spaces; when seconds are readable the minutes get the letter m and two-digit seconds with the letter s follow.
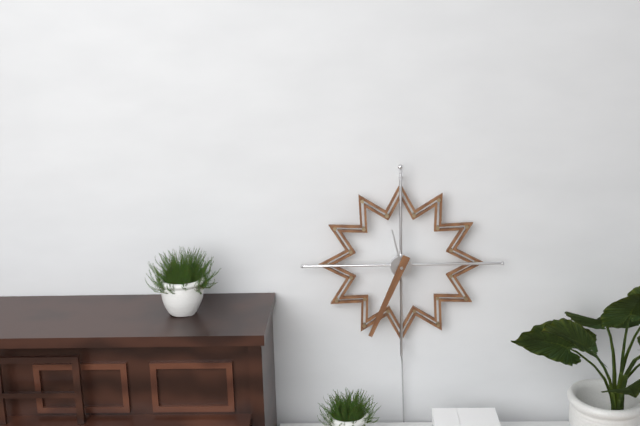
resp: 11h34
